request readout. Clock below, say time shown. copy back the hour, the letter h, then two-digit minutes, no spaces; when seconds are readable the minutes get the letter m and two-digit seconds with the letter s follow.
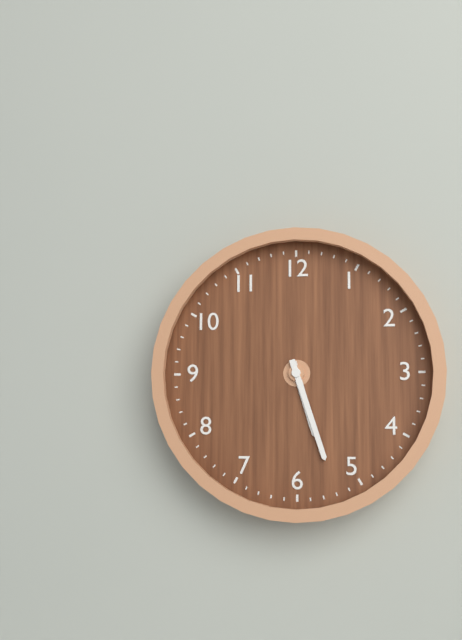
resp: 5h27
